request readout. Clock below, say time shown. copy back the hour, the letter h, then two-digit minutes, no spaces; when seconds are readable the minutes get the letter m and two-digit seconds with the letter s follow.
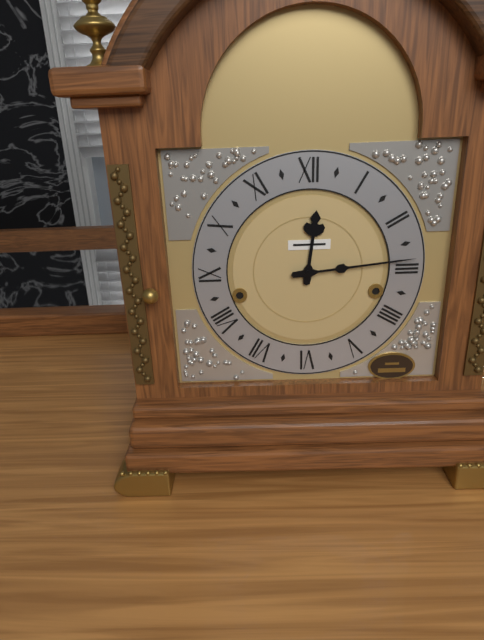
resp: 12h14
